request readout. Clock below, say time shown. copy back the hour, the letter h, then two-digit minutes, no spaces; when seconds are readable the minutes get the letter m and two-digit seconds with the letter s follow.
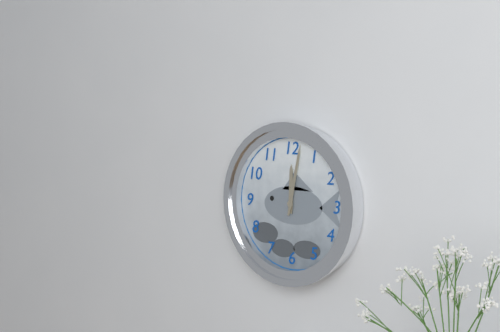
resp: 12h02
